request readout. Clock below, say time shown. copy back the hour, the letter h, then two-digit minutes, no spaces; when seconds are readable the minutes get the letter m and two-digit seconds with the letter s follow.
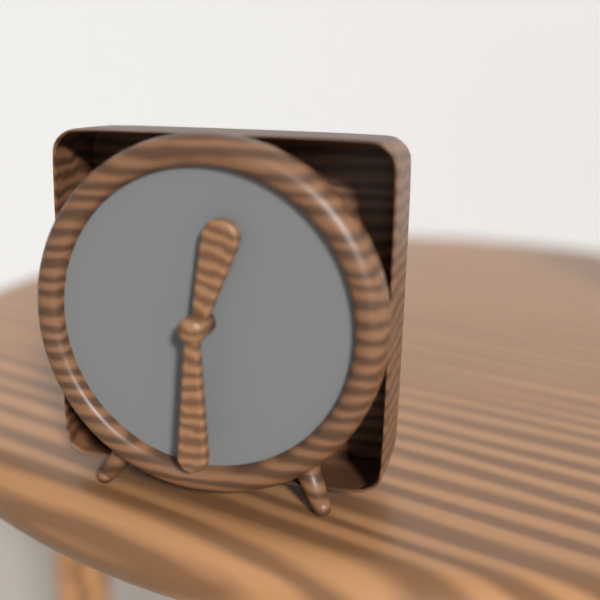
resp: 12h30
